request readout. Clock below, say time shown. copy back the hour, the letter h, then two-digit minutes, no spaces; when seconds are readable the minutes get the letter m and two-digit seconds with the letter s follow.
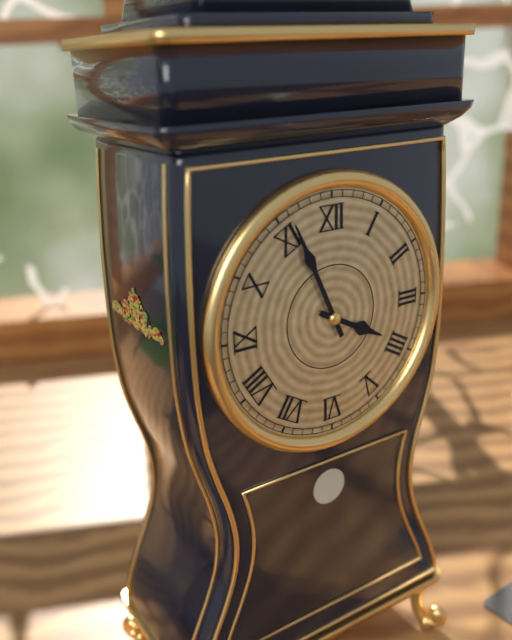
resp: 3h56
